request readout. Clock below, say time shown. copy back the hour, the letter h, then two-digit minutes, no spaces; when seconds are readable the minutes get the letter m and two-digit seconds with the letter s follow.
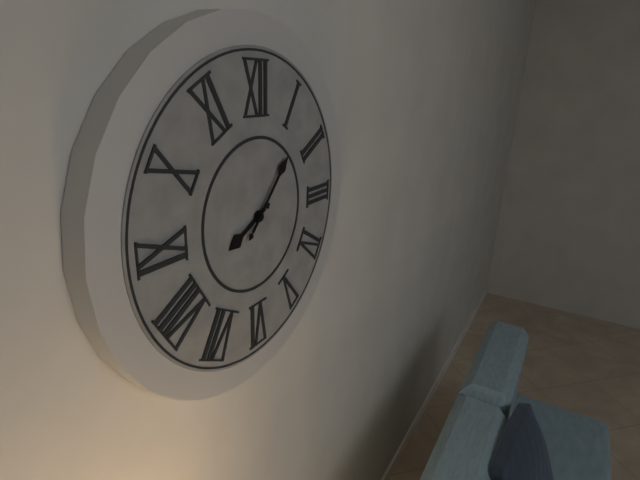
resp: 8h07
